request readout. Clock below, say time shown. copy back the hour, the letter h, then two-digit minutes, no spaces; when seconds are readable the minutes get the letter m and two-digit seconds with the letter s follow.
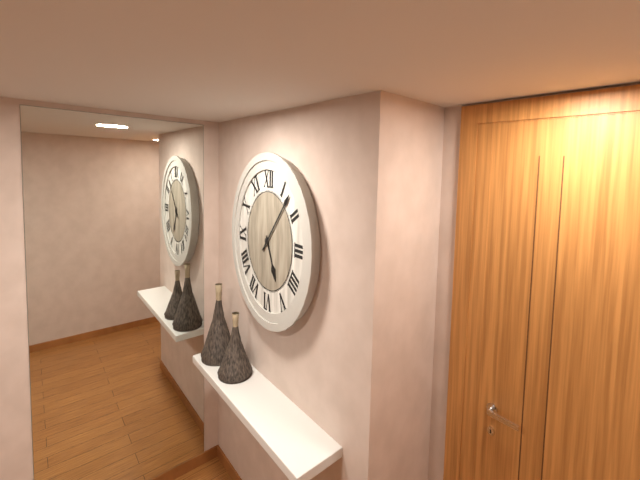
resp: 5h07
